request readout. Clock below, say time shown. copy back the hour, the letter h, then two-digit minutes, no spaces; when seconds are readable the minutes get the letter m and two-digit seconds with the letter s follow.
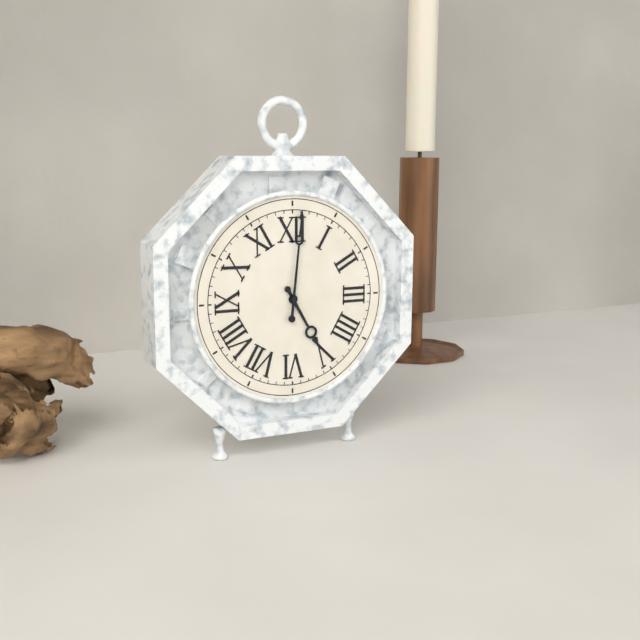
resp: 5h01
